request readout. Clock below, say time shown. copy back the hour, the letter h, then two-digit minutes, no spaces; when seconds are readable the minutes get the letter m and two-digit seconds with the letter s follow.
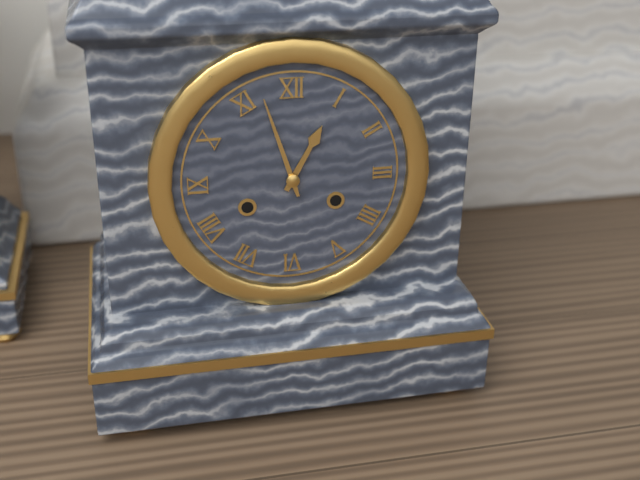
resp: 12h57
